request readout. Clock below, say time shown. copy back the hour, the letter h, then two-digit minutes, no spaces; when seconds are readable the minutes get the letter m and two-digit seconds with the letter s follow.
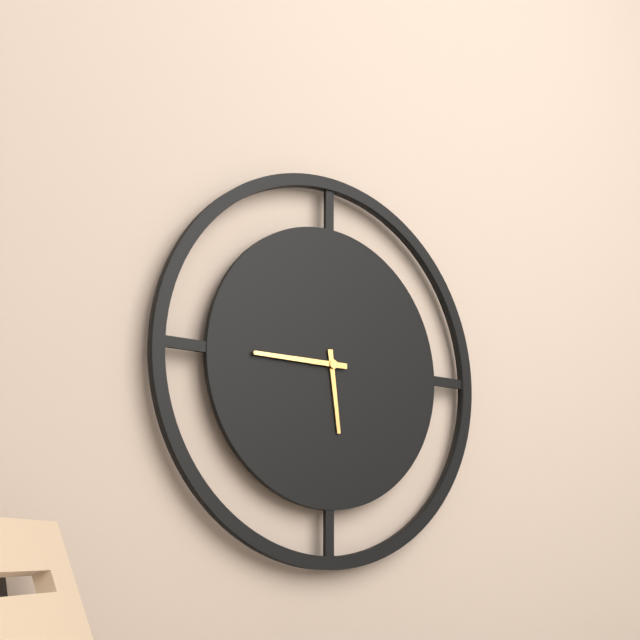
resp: 5h45
